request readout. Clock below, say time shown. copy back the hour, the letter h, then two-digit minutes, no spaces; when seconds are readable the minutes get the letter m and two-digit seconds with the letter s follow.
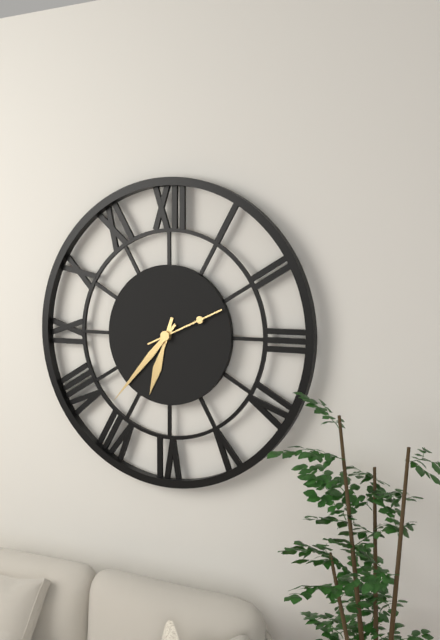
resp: 6h37m11s
